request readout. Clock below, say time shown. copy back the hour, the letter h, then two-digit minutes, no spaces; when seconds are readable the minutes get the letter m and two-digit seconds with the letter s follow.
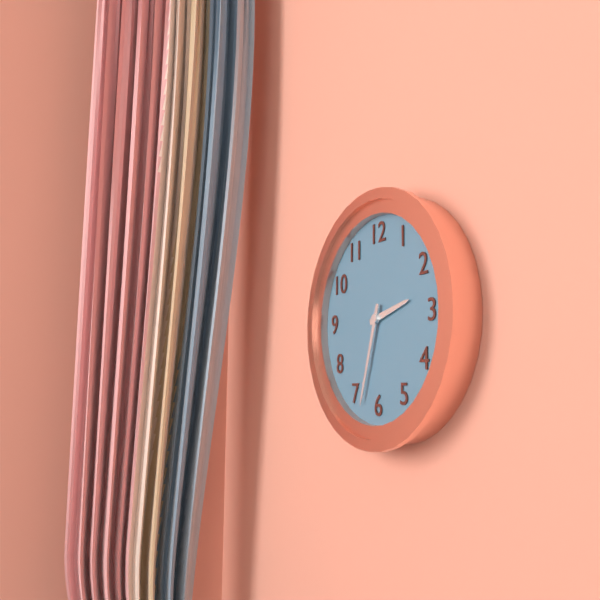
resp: 2h33
